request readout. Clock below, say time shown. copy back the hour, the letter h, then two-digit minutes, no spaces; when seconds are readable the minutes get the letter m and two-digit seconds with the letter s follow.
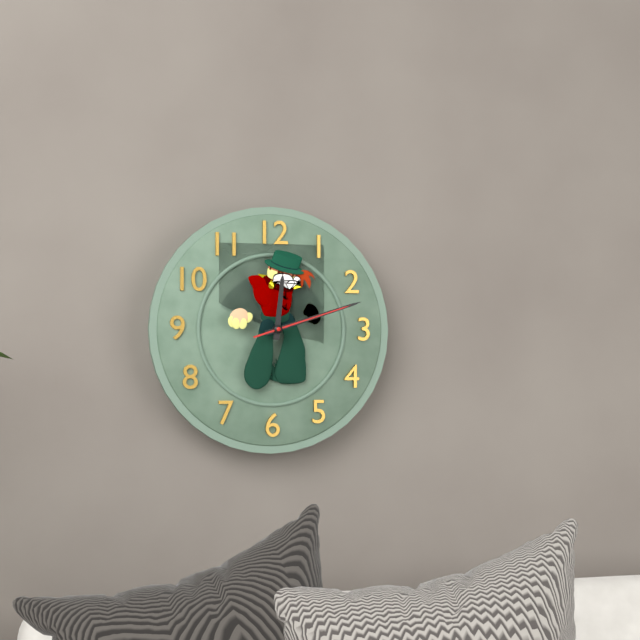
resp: 12h12m12s
